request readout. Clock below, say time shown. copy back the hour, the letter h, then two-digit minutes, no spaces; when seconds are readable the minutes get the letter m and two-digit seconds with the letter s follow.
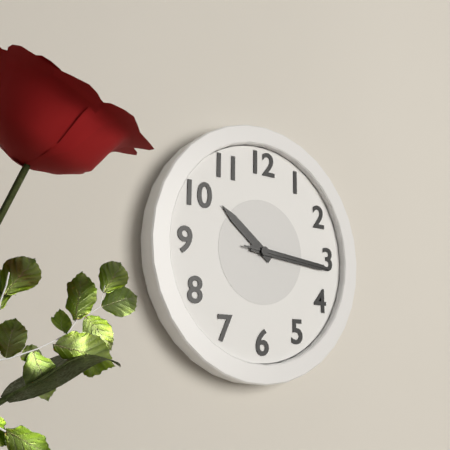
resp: 10h16m16s
